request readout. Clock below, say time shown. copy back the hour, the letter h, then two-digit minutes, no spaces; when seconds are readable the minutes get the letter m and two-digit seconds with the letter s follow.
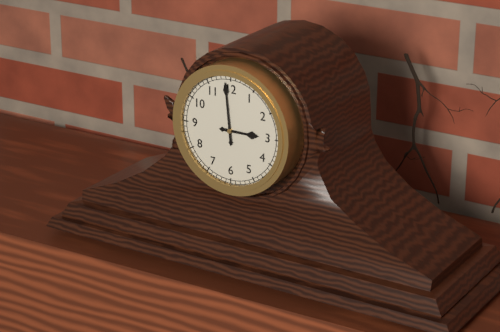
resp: 2h59
